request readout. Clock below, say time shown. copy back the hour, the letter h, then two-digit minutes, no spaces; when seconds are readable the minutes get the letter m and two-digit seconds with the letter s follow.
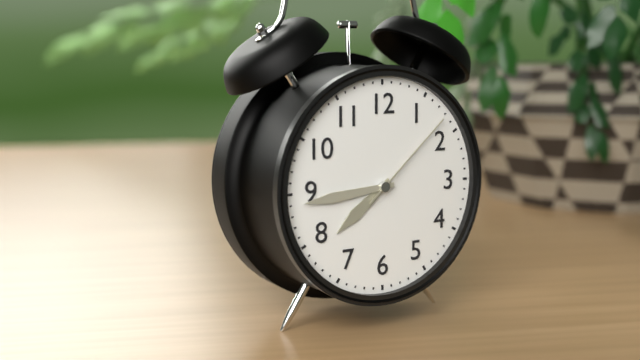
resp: 7h44m08s
